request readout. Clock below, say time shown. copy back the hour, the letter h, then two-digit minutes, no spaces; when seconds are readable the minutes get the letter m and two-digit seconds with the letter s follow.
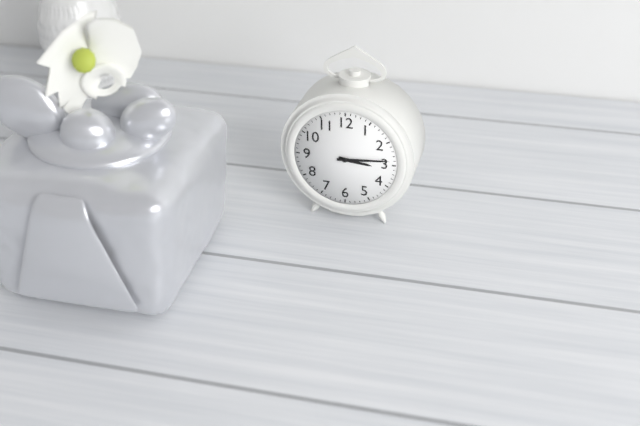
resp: 3h14
